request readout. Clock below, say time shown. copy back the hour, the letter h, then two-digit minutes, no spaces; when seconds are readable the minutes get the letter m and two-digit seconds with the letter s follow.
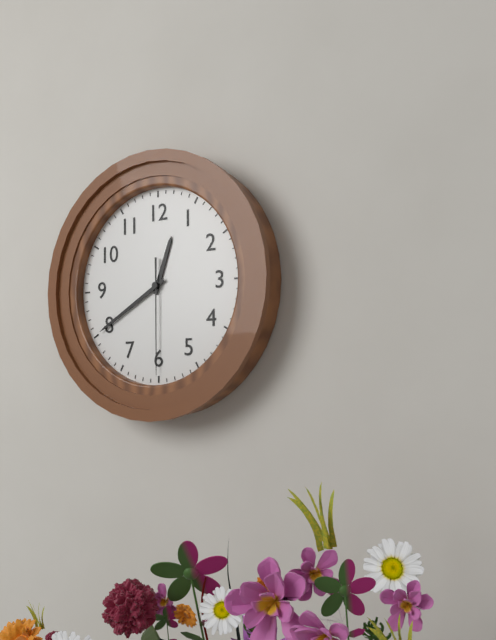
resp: 12h40m30s
